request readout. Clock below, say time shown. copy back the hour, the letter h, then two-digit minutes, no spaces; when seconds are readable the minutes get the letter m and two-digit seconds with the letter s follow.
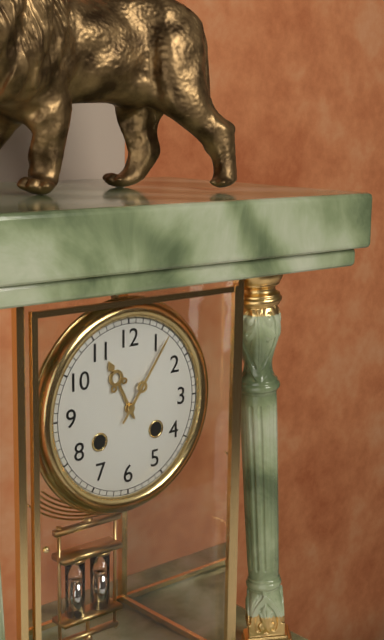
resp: 11h06
